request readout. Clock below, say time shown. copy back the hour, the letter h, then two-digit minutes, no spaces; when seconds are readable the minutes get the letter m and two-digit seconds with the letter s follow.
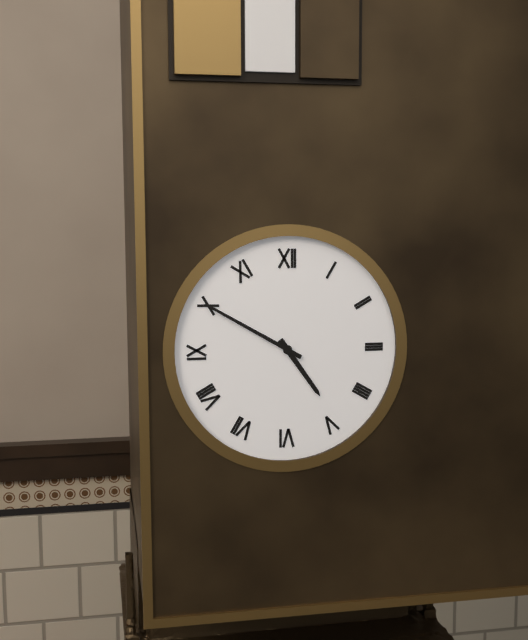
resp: 4h50
